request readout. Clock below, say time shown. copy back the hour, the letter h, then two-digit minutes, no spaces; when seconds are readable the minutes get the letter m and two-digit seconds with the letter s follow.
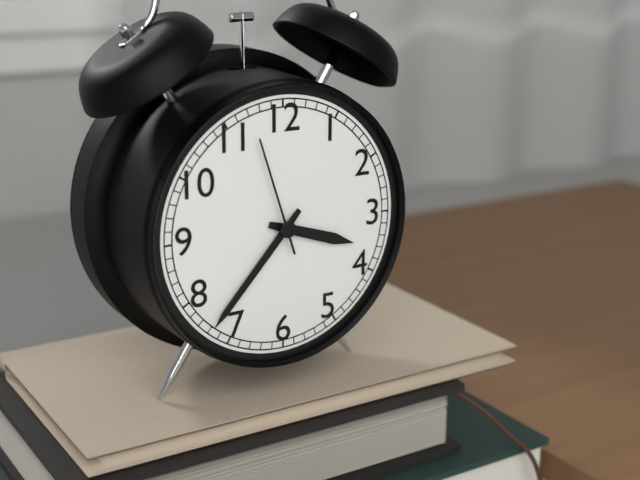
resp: 3h37m57s
